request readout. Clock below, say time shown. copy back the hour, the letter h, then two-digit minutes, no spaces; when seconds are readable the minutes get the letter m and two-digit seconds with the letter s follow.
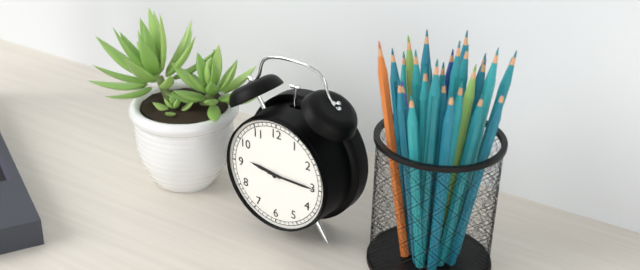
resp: 9h15
